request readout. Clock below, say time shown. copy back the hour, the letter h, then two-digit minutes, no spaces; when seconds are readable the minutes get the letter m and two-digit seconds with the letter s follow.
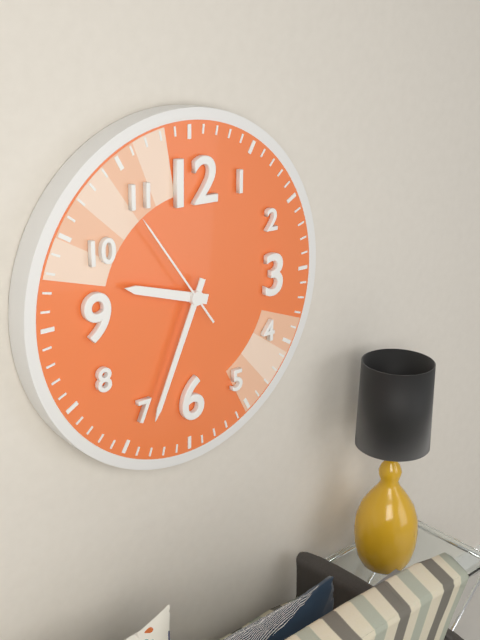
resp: 9h34m54s
